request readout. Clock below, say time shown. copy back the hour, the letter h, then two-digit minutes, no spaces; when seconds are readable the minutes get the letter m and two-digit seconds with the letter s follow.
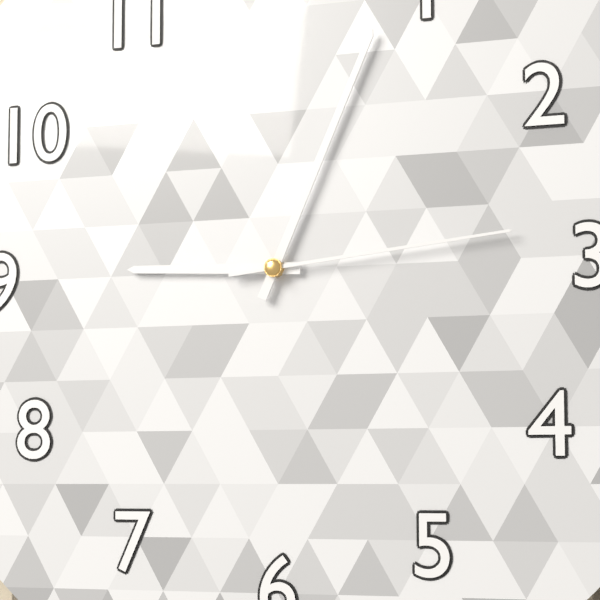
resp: 9h04m14s
